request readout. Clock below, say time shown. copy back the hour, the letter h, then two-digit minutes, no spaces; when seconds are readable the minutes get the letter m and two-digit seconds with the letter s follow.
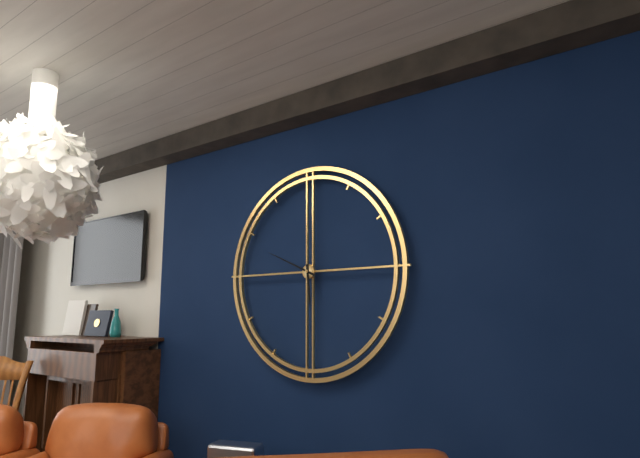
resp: 5h49
